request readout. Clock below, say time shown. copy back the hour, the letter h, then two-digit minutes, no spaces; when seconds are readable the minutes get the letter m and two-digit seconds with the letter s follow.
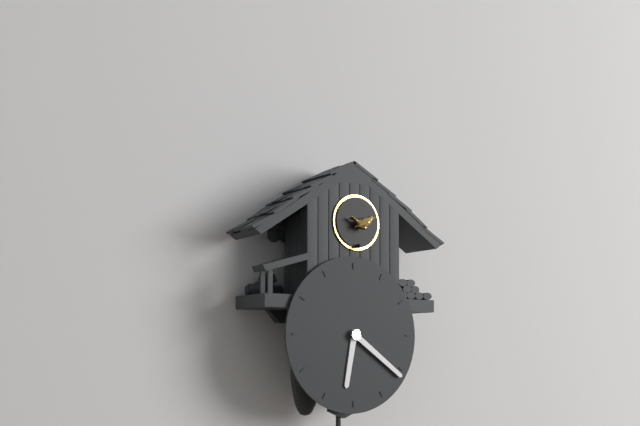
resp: 6h21
